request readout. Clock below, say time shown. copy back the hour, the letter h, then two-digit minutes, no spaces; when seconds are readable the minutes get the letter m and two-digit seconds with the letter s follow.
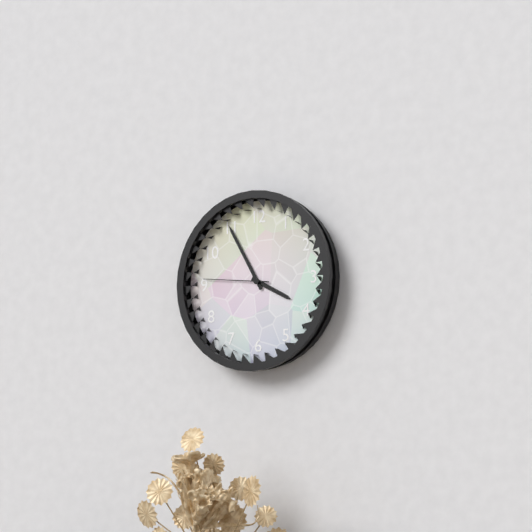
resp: 3h55m46s
